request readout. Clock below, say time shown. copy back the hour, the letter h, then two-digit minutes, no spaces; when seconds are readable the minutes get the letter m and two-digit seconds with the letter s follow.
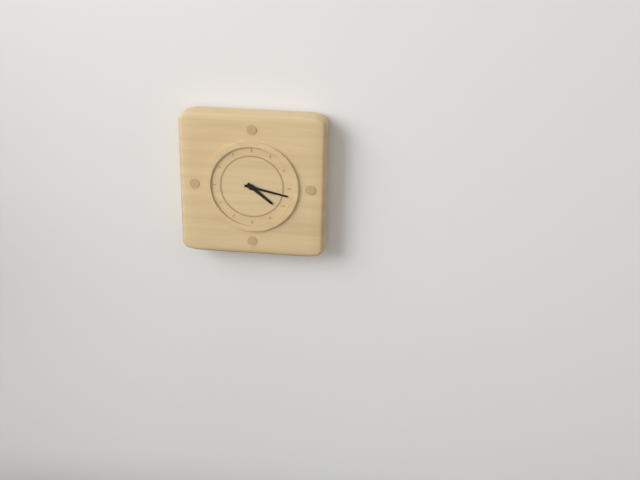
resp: 4h17
